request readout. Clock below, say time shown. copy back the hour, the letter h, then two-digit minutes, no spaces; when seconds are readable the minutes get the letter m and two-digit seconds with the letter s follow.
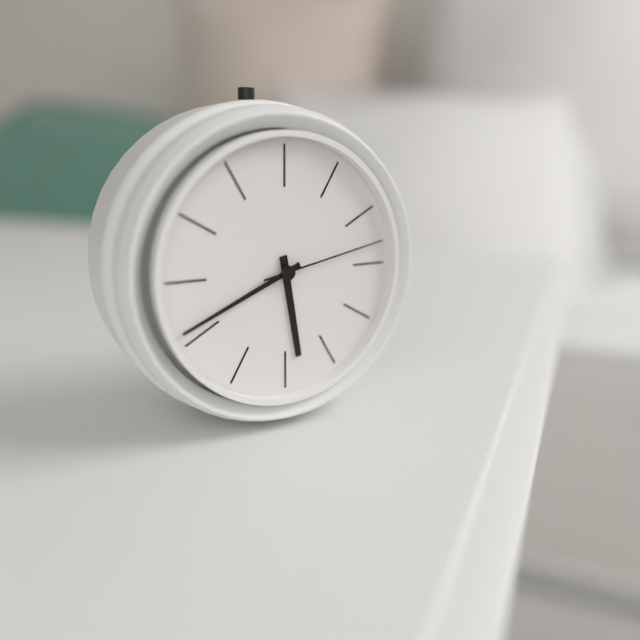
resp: 5h41m13s
